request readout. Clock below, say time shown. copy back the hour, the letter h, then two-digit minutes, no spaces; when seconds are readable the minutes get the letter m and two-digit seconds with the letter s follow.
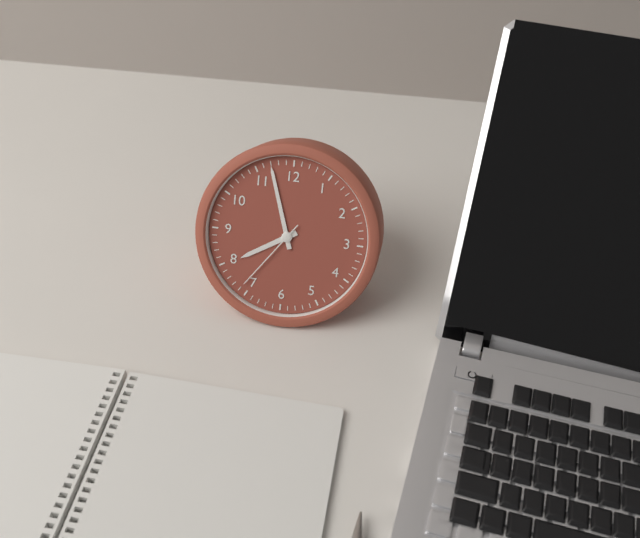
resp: 7h57m36s
